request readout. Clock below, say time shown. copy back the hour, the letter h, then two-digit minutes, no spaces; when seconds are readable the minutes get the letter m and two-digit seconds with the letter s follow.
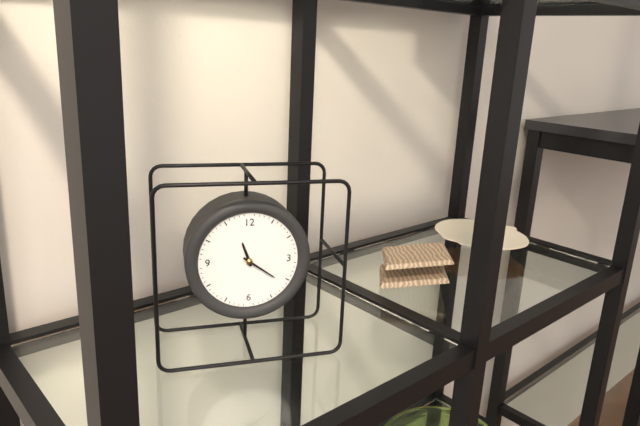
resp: 11h21
